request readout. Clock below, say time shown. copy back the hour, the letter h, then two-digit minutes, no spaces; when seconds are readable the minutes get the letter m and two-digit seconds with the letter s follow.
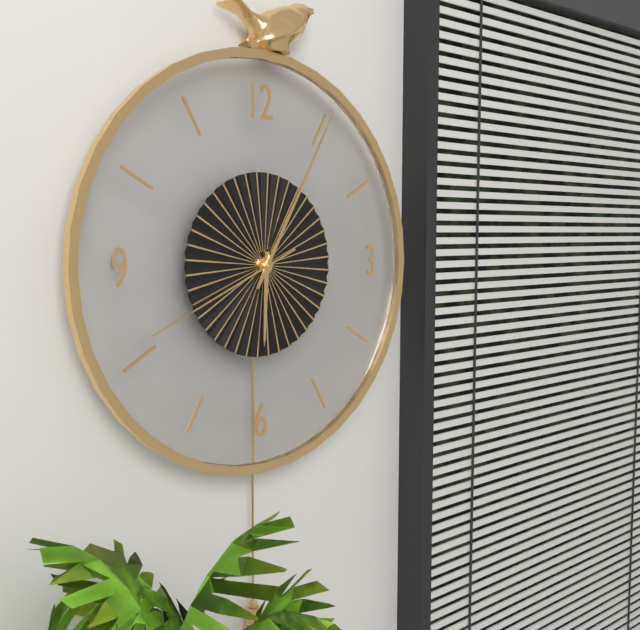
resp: 6h05m41s
